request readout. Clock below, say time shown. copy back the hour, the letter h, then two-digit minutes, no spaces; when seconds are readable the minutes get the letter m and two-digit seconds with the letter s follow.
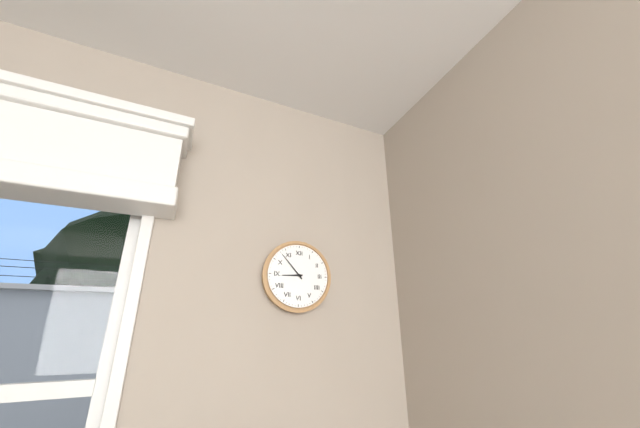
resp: 8h53
